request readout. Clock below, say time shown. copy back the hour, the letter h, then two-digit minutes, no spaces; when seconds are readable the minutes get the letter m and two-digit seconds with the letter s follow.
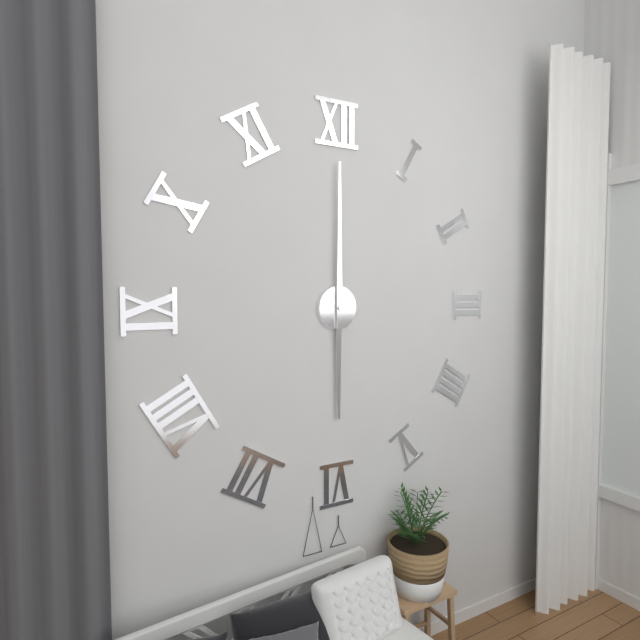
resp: 6h00
